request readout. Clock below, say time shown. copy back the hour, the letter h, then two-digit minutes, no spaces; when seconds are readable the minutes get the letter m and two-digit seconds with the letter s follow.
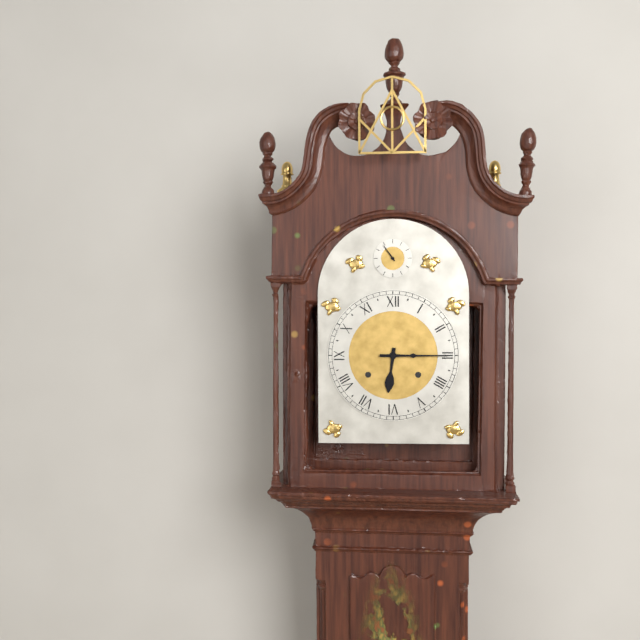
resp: 6h15
